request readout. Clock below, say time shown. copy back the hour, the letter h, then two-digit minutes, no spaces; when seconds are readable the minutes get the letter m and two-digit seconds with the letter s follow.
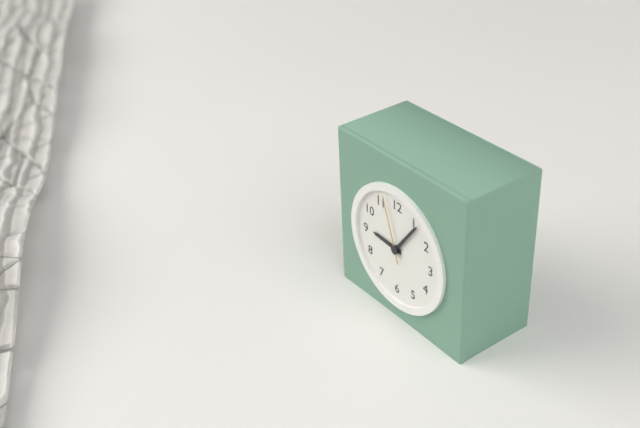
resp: 9h06m57s
